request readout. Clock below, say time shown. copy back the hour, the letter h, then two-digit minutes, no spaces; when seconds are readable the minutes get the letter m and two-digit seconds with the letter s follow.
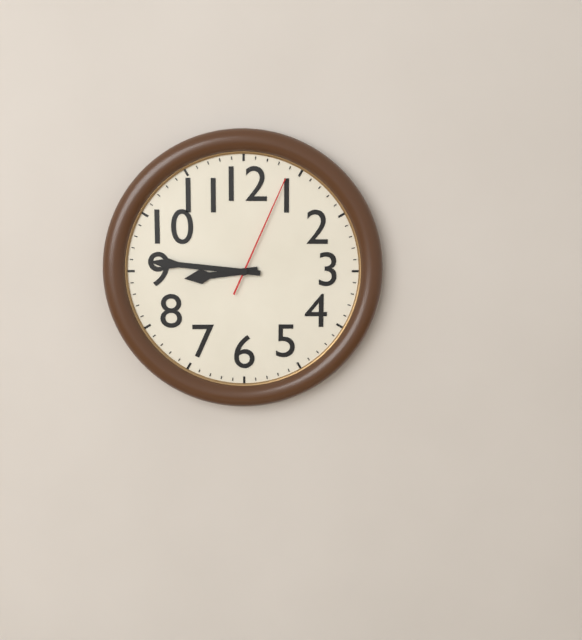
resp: 8h46m04s
